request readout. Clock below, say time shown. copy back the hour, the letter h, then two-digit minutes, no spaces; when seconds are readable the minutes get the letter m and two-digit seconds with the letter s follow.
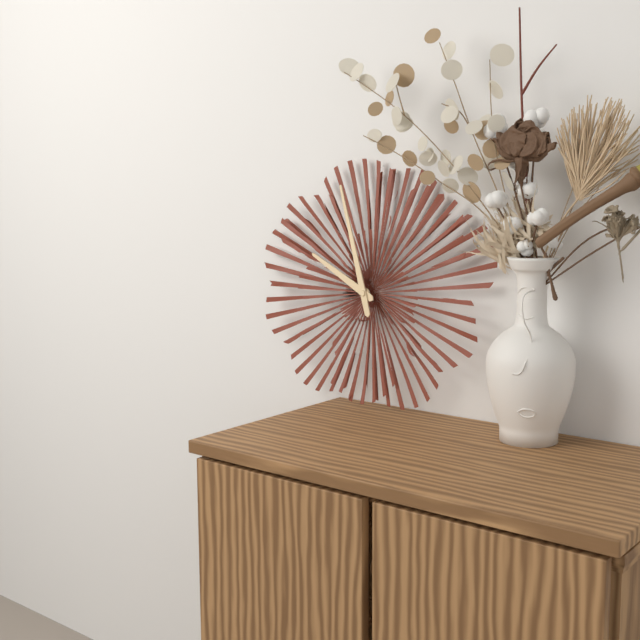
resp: 9h57
